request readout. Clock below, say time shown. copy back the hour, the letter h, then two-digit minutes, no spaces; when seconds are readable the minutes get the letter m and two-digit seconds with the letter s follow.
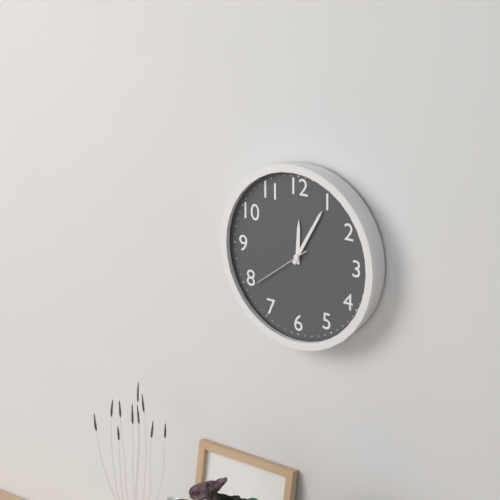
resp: 12h05m39s
